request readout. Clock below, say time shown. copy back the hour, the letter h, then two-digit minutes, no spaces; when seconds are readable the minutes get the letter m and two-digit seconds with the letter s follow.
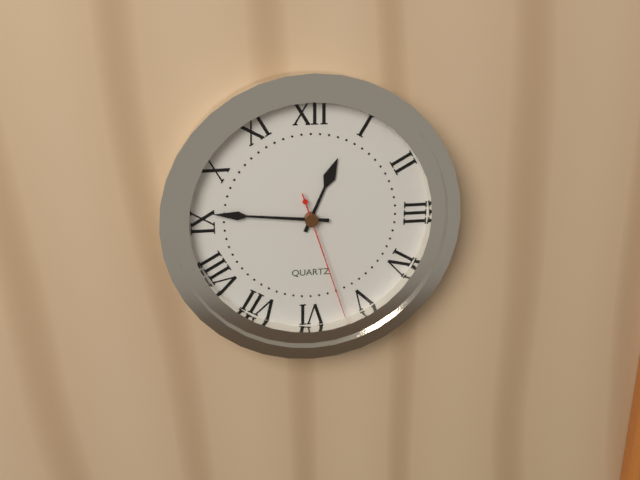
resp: 12h46m27s
